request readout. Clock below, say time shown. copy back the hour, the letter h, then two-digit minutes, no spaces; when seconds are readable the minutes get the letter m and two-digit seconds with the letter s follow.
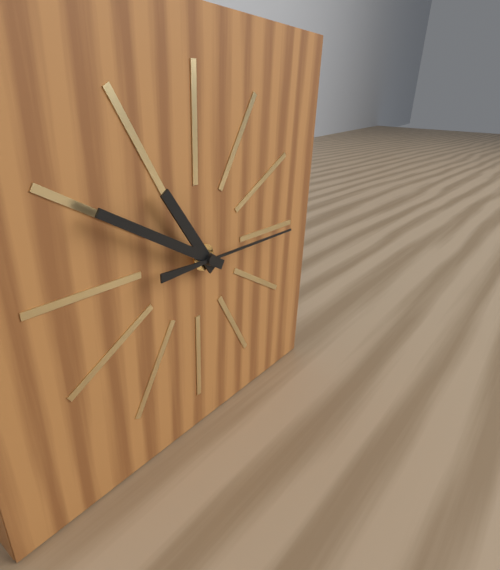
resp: 10h50m15s
